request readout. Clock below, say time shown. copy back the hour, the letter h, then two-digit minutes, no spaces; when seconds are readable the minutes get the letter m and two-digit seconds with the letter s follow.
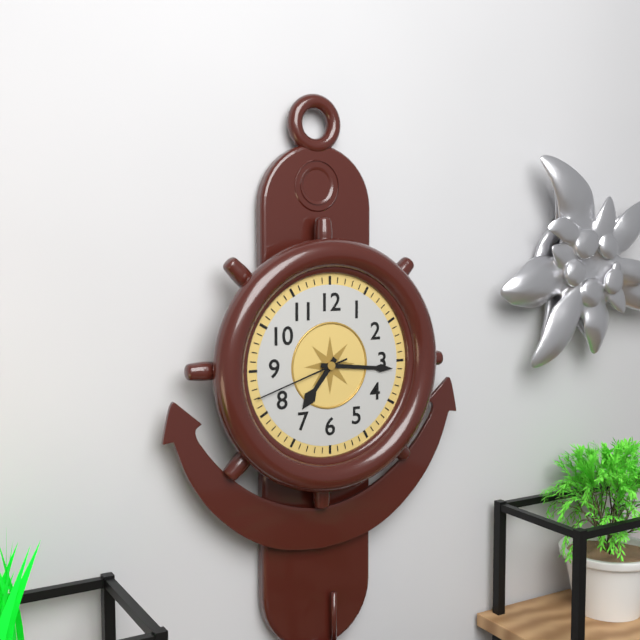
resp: 7h16m42s
